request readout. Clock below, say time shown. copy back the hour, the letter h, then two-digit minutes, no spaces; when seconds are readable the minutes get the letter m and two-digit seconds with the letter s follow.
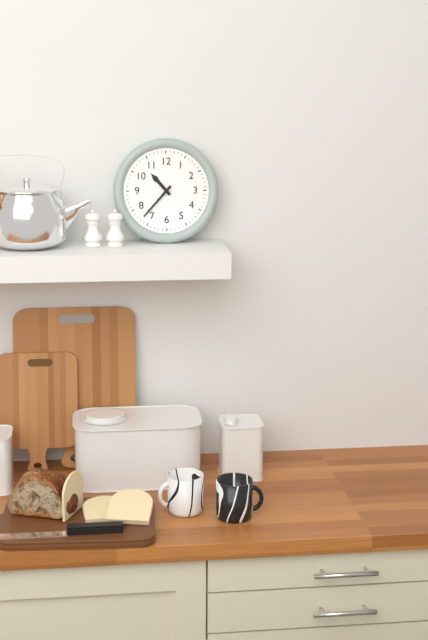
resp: 10h37
